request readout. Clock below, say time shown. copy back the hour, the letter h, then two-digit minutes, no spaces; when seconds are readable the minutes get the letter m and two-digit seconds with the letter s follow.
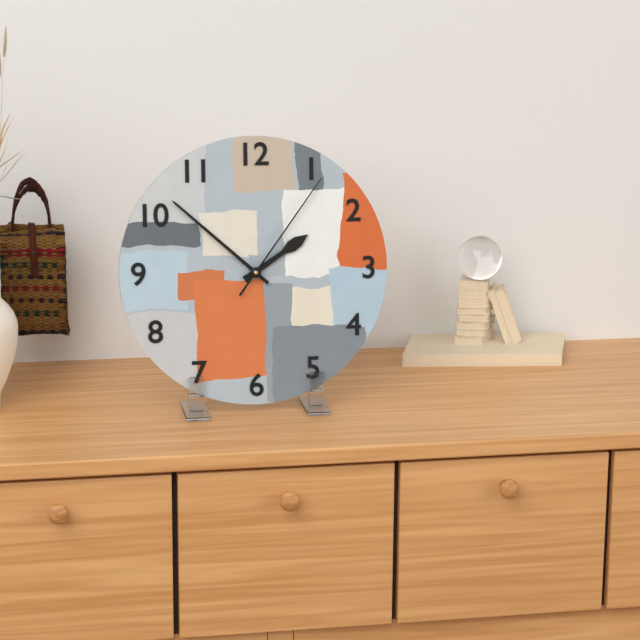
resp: 1h52m06s
